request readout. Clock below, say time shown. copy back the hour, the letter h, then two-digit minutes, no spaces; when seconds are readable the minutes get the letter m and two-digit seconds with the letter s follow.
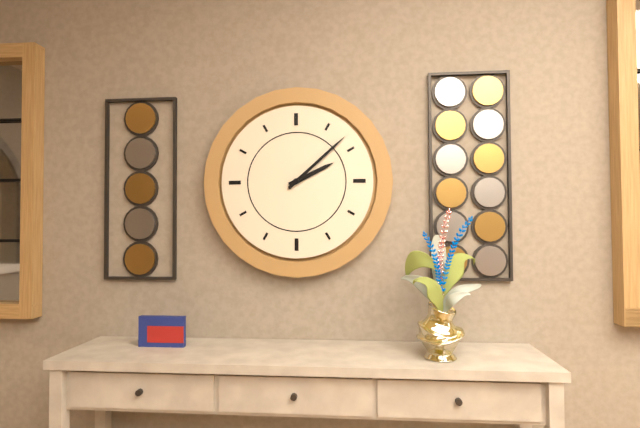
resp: 2h08
